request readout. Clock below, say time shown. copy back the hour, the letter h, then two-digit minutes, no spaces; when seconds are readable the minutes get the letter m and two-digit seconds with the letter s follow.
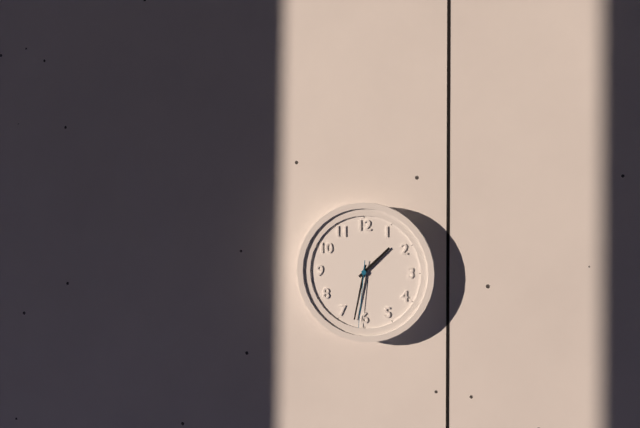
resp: 1h32m31s
